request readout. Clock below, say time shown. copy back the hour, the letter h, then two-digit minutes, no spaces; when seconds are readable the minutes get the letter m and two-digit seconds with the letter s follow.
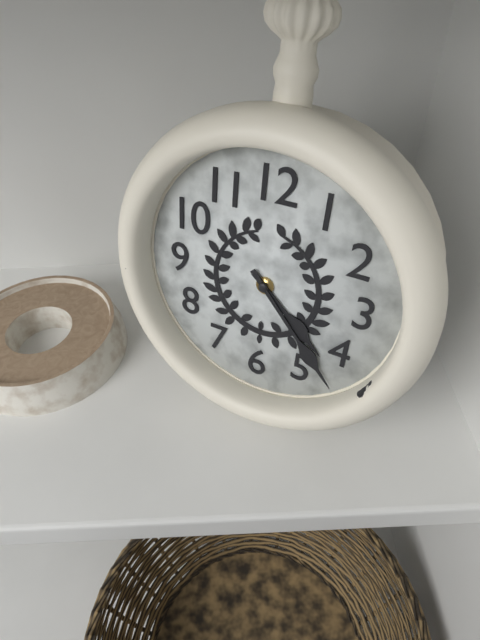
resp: 4h23
